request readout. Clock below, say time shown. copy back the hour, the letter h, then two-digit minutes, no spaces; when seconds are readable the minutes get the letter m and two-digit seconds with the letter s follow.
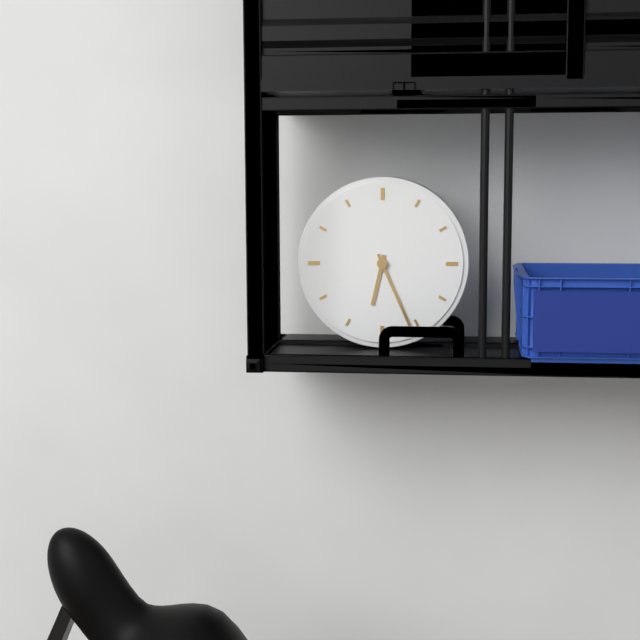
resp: 6h26
